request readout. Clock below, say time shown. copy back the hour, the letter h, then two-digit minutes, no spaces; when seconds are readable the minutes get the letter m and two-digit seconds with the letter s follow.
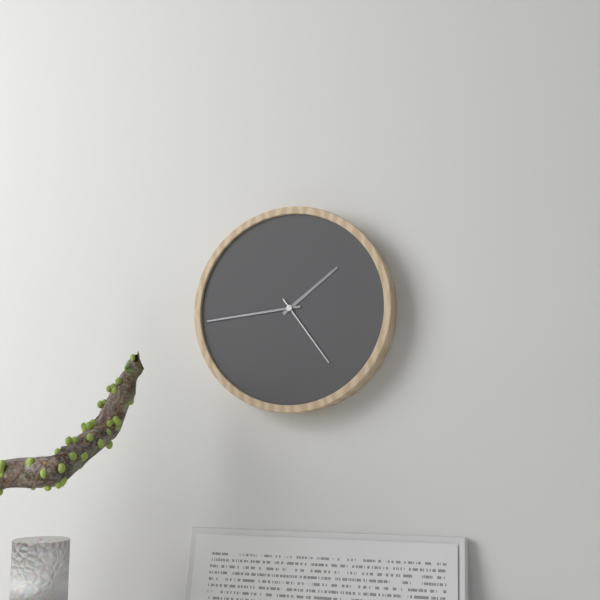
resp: 1h44m24s
